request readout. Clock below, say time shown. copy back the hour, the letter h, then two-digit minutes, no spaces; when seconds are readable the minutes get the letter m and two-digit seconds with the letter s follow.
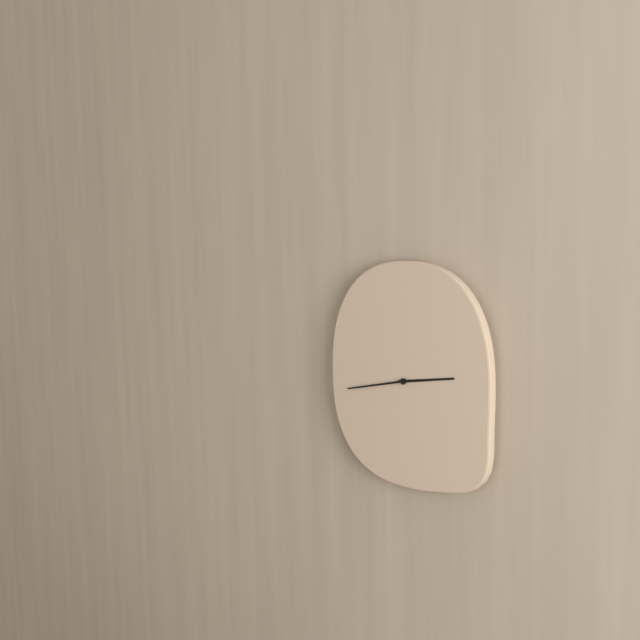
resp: 2h43
